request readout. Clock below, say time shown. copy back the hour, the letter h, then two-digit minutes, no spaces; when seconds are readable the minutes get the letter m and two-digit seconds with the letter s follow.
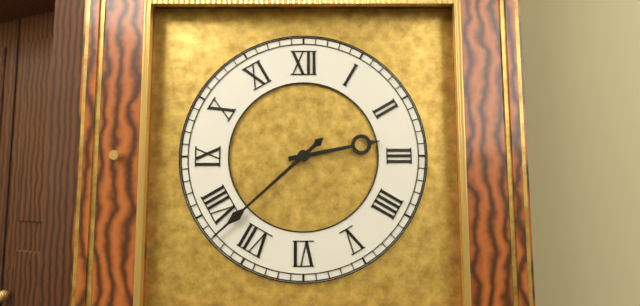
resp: 2h38
